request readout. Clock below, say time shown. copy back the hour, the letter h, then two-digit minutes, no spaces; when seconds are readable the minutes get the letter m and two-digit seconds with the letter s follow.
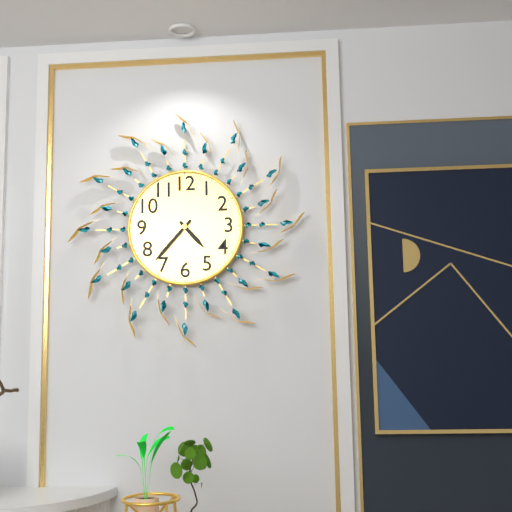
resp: 4h37
